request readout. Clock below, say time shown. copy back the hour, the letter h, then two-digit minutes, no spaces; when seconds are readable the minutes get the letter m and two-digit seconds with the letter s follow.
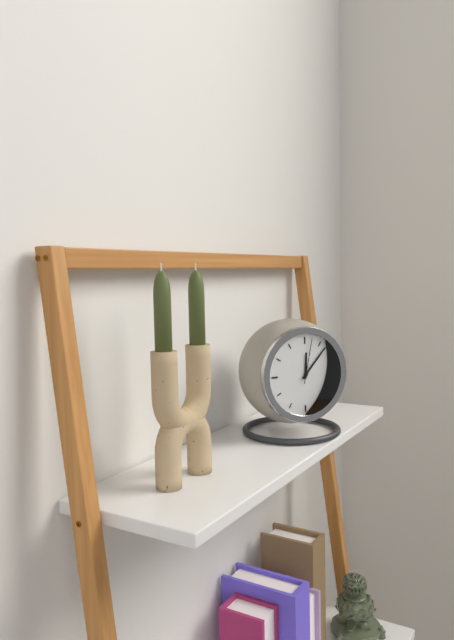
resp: 12h07
